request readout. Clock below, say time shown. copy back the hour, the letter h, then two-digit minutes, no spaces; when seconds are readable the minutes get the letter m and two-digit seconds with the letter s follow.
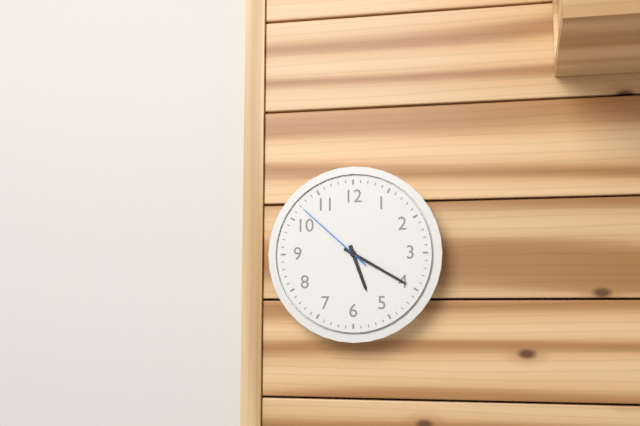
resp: 5h20m52s
